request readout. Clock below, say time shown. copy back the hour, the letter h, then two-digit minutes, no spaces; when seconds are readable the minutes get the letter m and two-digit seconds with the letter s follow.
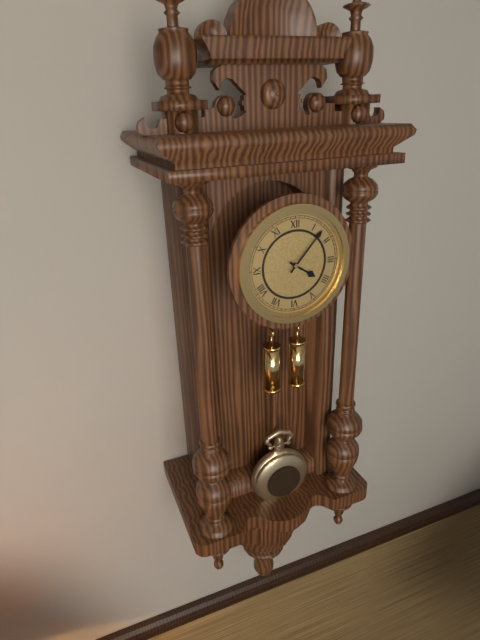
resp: 4h07
